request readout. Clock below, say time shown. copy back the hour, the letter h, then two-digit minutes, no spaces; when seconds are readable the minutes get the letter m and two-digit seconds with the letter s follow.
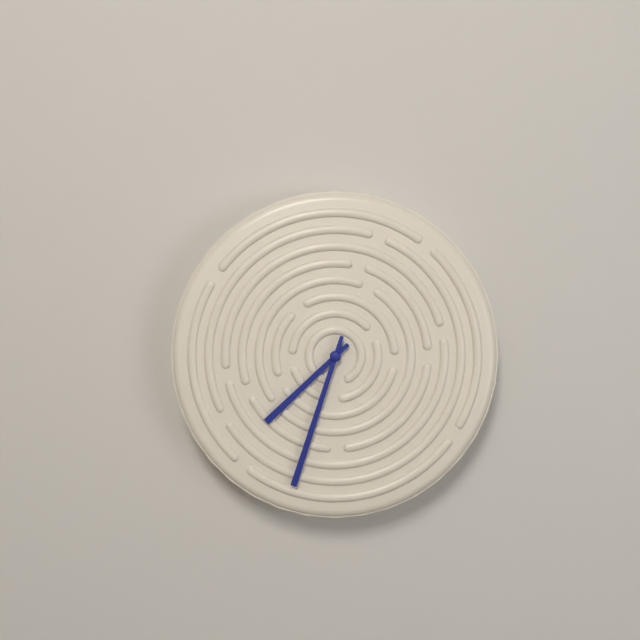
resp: 7h33
